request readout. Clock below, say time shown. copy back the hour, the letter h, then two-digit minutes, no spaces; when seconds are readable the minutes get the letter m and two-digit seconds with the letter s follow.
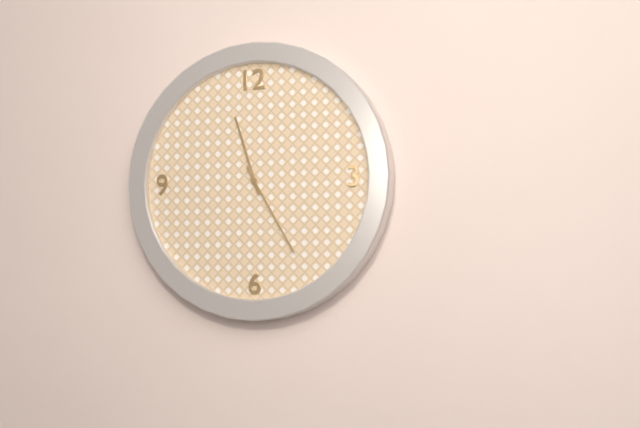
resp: 11h25
